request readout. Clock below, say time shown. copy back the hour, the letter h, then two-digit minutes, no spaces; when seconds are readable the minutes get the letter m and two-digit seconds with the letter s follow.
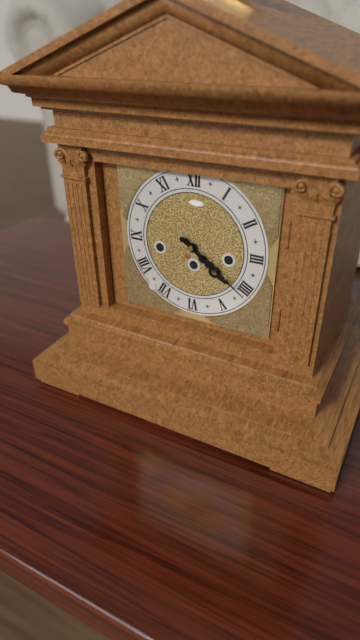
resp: 4h21
